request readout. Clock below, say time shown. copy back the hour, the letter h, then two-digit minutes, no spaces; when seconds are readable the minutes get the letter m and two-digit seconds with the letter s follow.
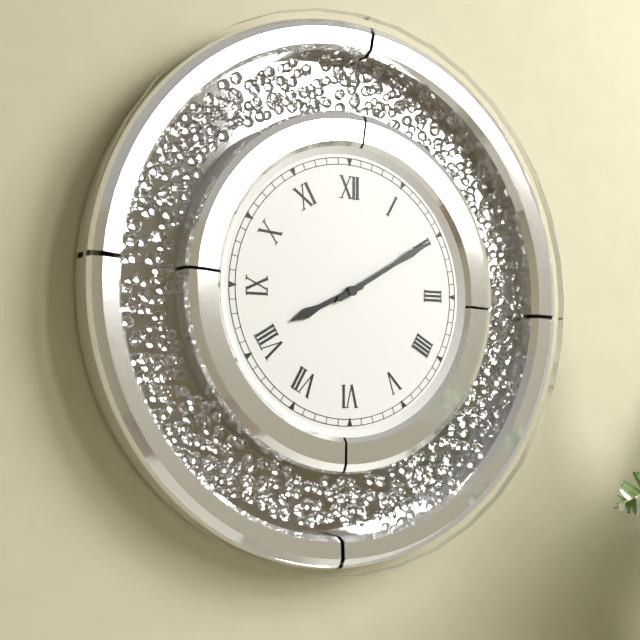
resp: 8h10
